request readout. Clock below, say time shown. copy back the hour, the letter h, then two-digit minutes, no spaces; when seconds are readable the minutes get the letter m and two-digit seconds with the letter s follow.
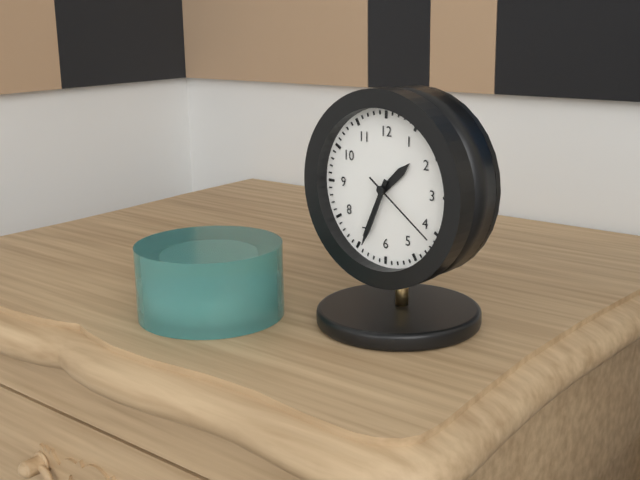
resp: 1h34m21s
